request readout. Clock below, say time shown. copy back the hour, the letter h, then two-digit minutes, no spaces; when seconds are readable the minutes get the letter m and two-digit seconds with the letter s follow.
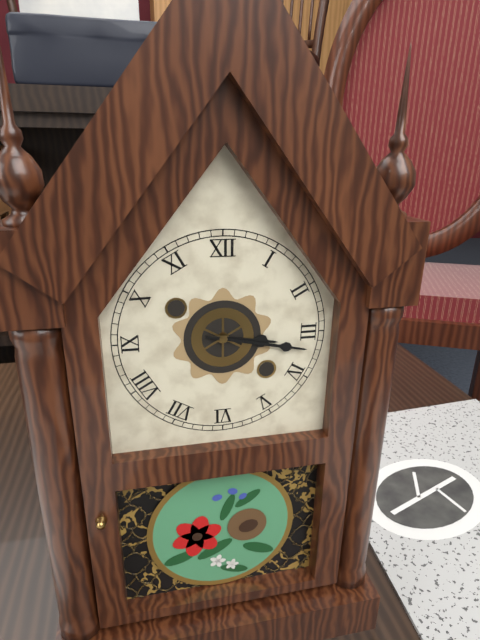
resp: 3h17
